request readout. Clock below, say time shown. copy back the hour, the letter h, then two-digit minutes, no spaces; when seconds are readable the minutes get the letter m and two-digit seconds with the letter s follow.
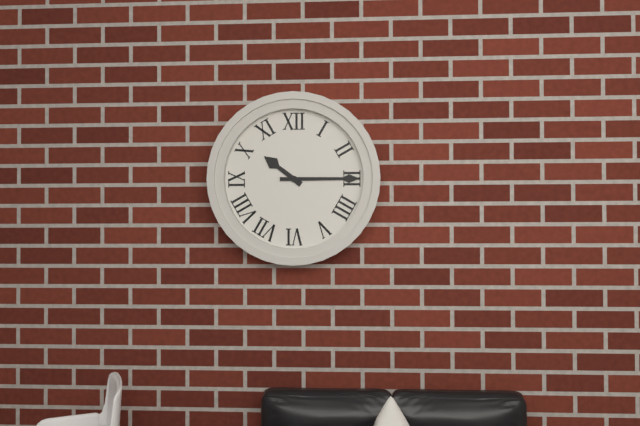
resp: 10h15
